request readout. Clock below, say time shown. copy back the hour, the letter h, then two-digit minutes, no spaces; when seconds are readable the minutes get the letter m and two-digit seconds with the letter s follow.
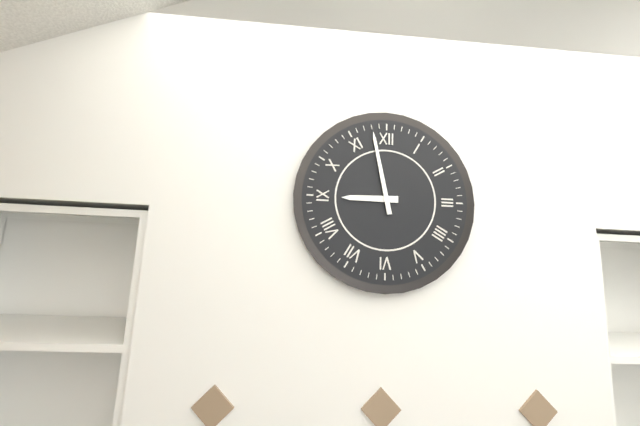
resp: 8h58
